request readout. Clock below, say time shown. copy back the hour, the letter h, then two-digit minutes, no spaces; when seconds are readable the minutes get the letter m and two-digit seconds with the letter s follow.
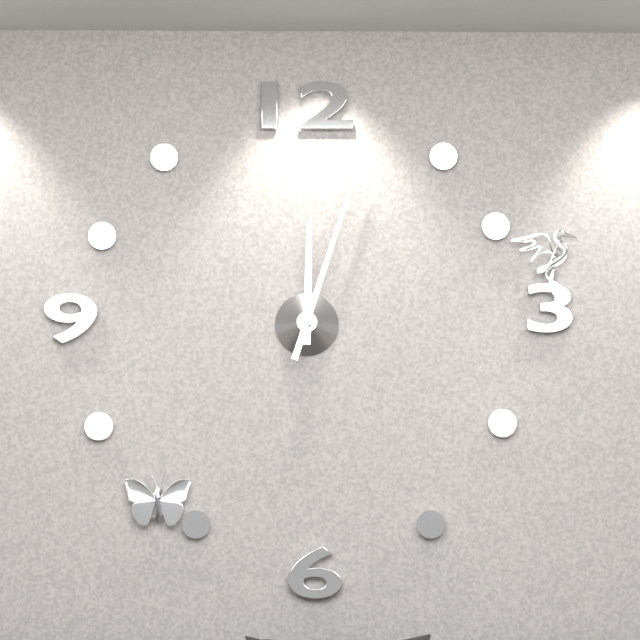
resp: 12h03
